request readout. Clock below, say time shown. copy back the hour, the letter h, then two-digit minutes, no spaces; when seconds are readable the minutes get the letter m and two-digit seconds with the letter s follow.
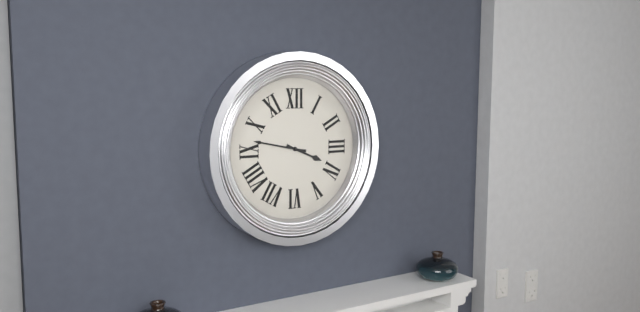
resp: 3h47
